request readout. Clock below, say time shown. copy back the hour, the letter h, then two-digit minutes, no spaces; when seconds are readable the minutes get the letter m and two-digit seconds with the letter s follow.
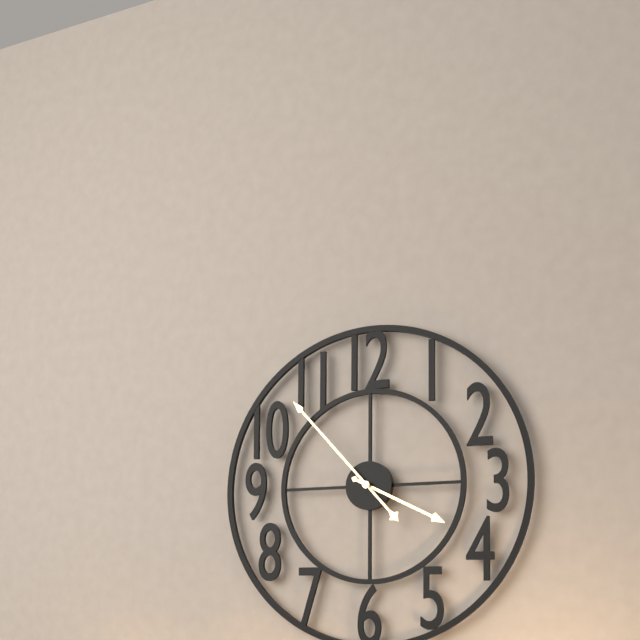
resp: 3h53
